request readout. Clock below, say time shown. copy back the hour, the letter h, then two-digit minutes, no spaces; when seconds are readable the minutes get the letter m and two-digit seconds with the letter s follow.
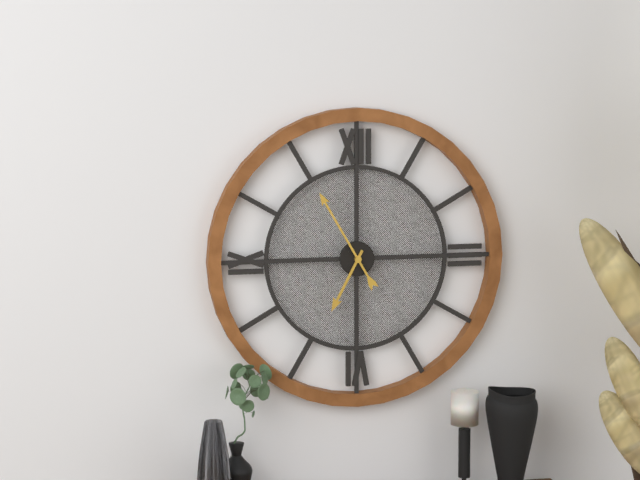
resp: 6h55
